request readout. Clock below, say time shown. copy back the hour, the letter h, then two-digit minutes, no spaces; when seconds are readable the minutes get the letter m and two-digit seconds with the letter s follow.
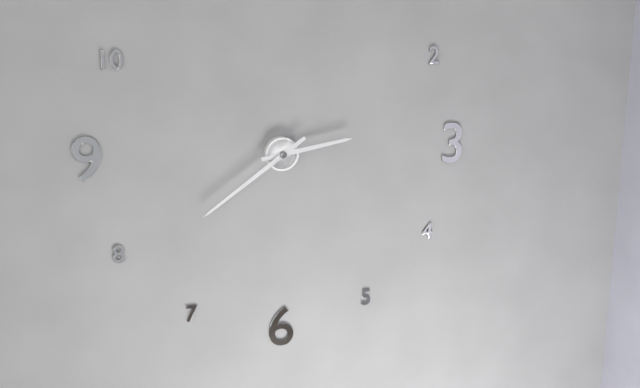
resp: 2h39
